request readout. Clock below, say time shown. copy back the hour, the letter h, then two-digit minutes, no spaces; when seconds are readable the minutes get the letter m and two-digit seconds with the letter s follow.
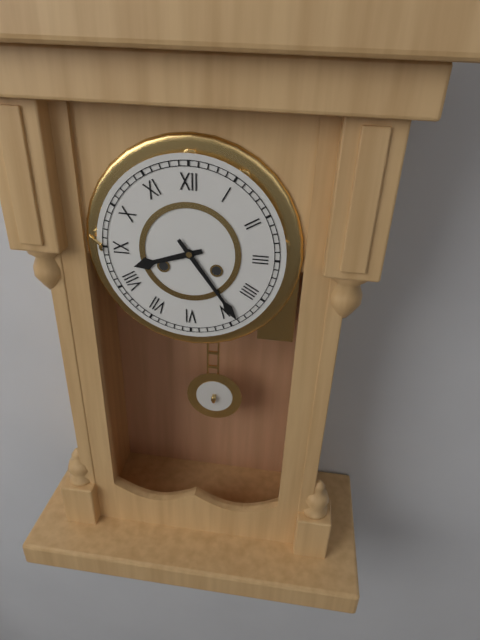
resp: 8h24
